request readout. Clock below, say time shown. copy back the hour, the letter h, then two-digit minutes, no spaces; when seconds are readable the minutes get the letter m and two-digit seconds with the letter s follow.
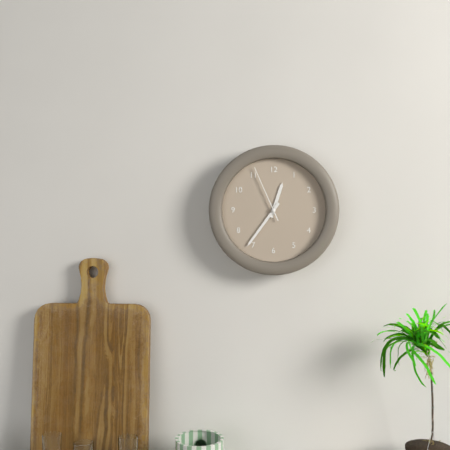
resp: 12h36m56s
